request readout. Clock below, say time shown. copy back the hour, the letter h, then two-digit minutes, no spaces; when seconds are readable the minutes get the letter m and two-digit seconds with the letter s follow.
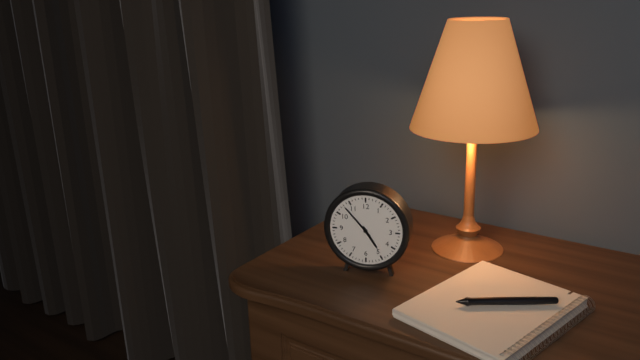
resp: 4h53
